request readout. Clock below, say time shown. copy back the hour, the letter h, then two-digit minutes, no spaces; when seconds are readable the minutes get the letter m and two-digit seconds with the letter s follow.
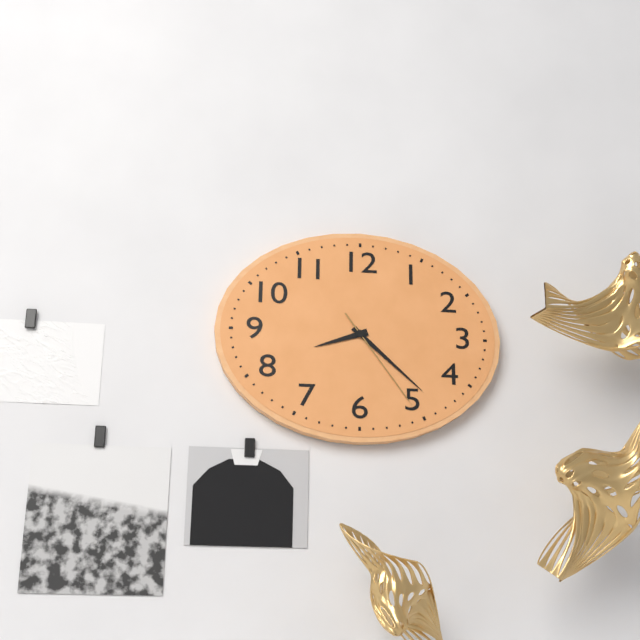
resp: 8h22m24s
